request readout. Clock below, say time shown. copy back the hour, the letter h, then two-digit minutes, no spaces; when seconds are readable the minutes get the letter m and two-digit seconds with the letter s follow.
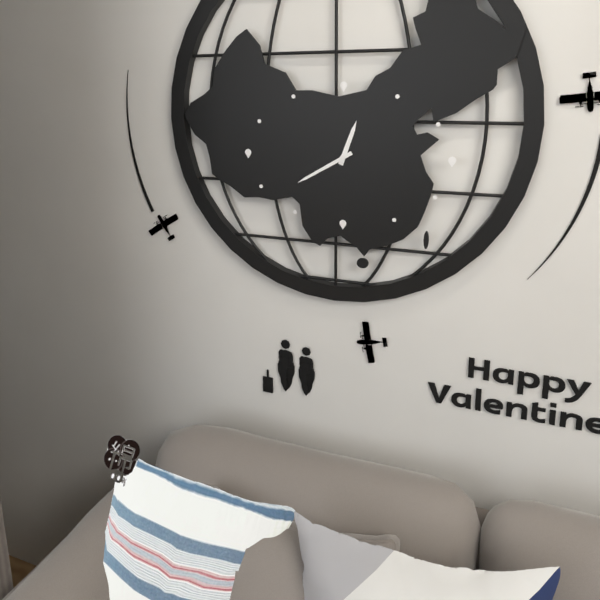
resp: 12h40
